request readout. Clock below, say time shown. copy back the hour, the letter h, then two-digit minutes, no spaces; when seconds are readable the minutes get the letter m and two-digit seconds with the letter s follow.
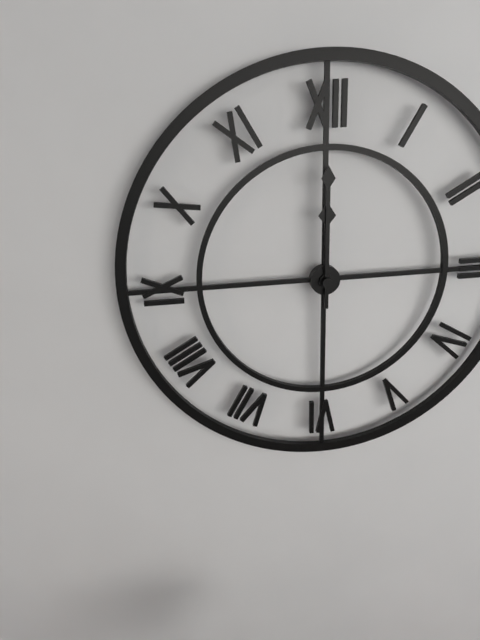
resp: 12h00
